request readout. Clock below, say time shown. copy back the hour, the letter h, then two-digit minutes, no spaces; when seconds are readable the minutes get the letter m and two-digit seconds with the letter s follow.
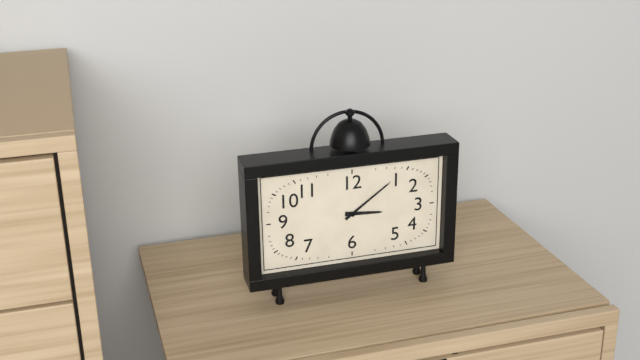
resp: 3h09
